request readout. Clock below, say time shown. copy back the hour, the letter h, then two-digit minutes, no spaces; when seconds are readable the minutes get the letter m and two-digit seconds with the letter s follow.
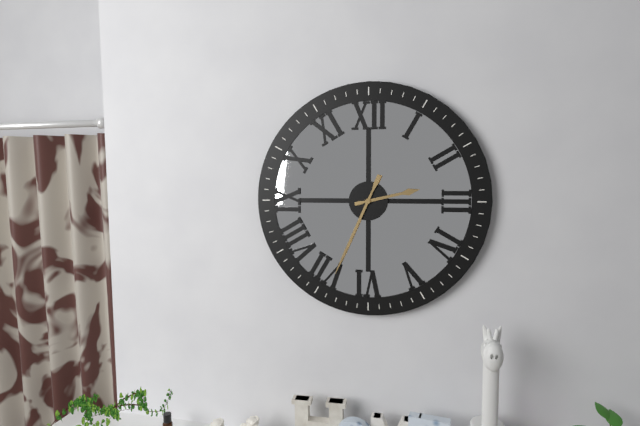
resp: 2h34
